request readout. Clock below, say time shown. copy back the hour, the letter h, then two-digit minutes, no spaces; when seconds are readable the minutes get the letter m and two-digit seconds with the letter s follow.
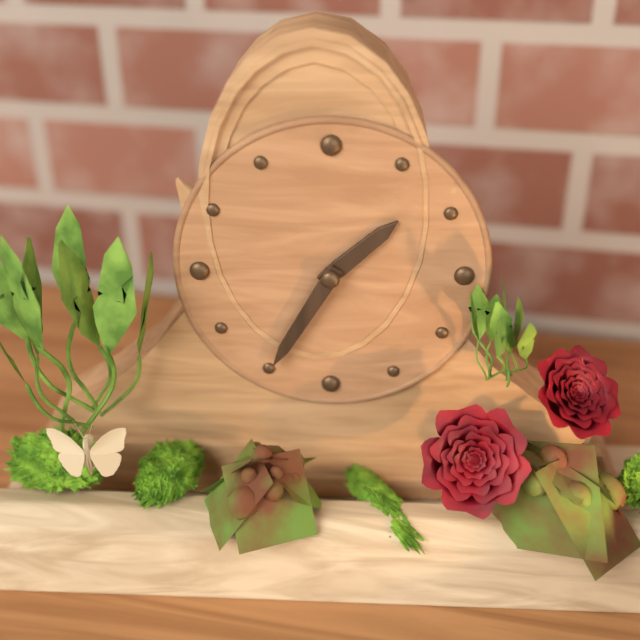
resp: 1h35
